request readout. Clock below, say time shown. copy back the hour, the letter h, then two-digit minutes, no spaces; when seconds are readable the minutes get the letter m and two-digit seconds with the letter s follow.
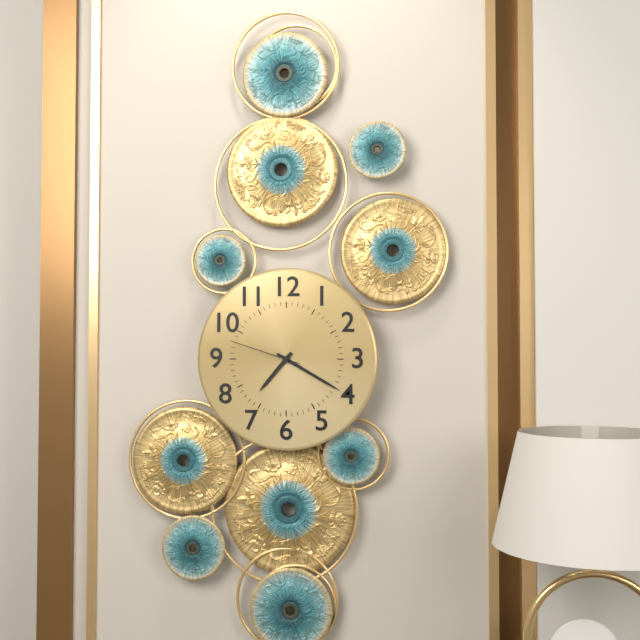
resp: 7h20m48s
